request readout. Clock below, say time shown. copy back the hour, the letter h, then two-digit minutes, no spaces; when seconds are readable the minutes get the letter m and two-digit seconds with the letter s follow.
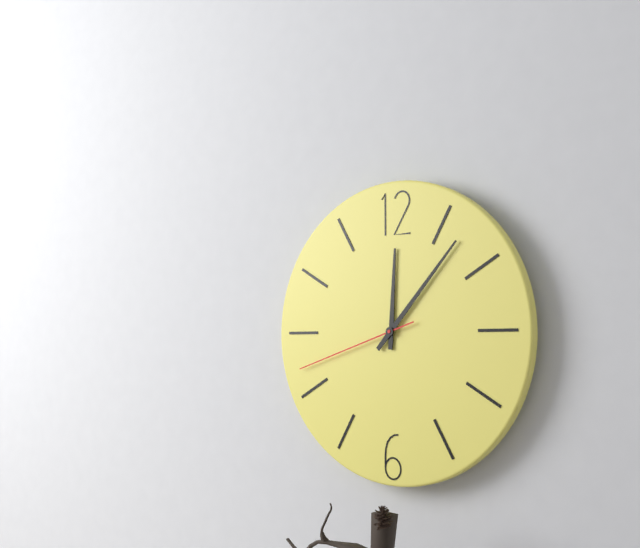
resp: 12h07m42s
